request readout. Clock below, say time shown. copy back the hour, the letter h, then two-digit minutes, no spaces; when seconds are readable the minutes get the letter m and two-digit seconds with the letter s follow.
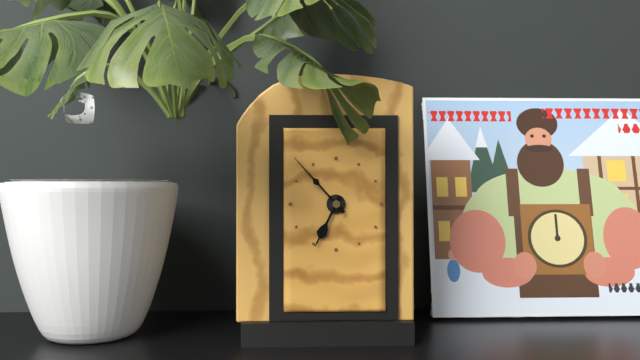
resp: 6h53
